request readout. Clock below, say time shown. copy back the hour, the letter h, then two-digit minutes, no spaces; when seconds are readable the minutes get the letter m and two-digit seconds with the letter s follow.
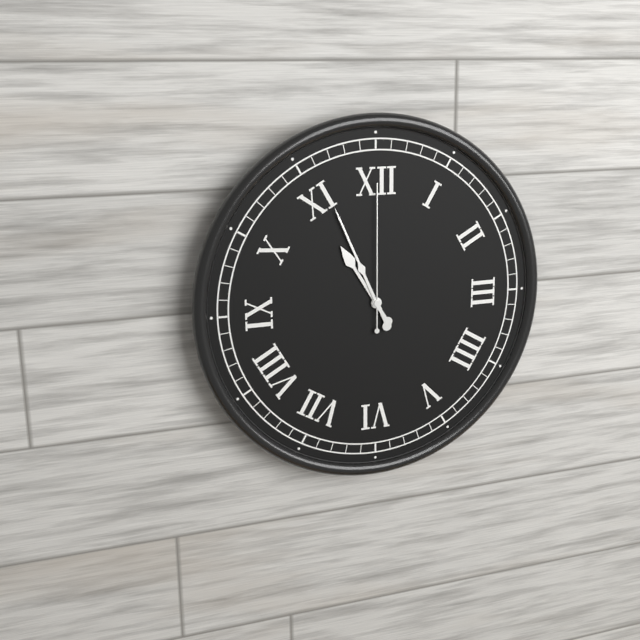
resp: 10h56m00s
